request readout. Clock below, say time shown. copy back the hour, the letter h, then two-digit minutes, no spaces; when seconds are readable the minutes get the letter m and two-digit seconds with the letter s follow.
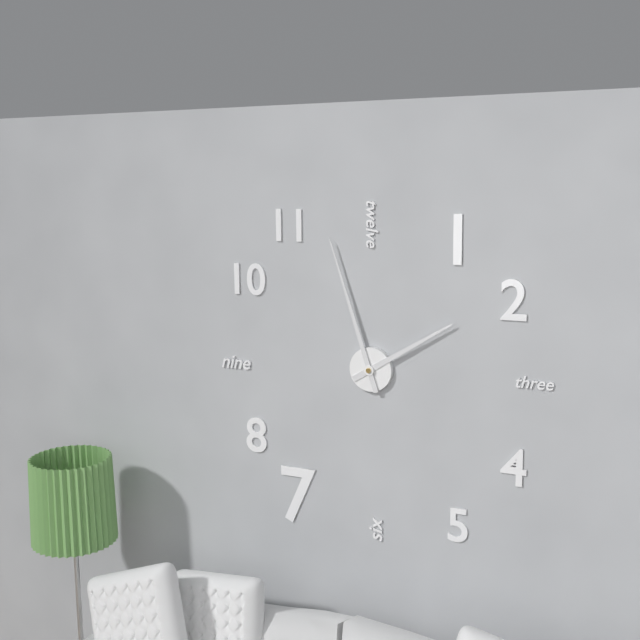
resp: 1h57
